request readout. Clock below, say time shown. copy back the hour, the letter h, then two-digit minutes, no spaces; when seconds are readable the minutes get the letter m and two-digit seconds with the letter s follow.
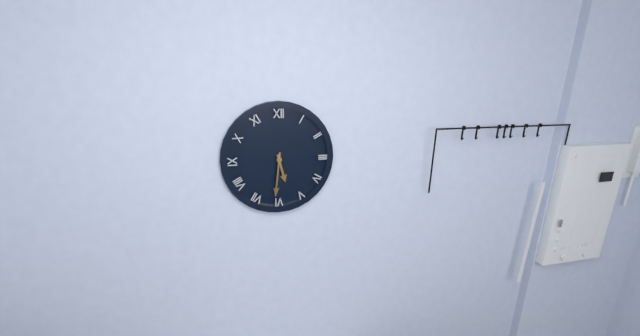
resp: 5h31
